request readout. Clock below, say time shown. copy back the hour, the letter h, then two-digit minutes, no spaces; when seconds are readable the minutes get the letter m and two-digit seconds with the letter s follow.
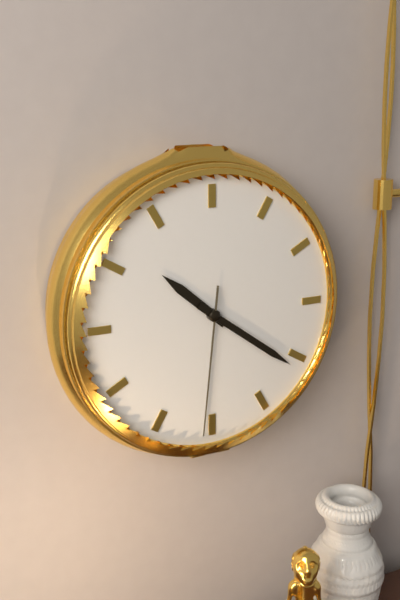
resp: 10h21m31s
